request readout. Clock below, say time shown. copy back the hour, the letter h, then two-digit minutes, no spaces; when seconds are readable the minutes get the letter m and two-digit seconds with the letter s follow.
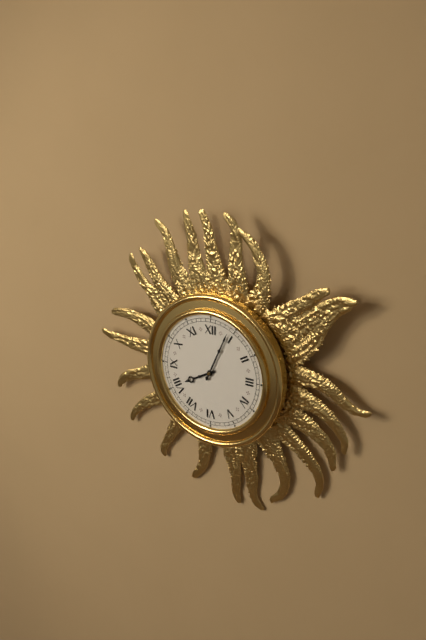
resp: 8h04
